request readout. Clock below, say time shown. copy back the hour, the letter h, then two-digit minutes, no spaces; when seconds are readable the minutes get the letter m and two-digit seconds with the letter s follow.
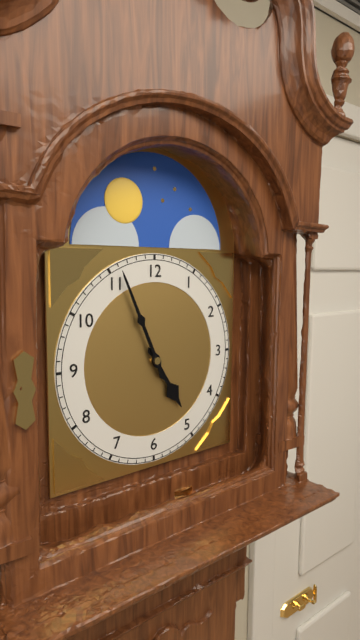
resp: 4h56
